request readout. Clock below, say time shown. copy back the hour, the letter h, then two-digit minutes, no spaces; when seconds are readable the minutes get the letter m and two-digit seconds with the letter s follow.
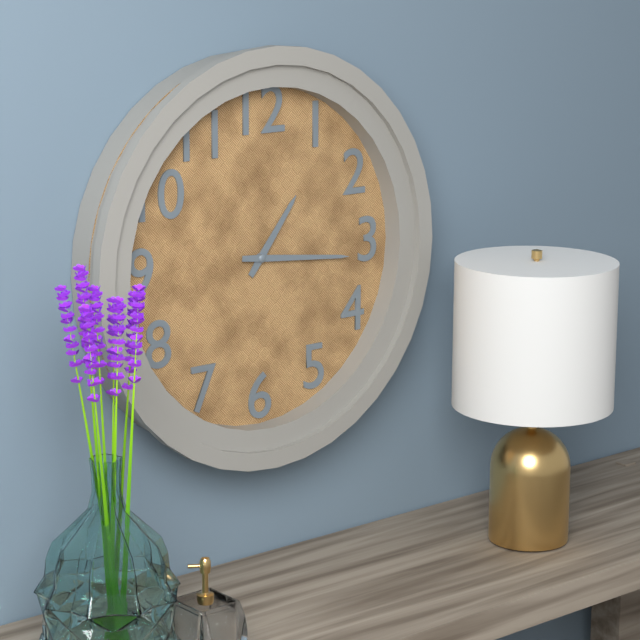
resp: 1h16
